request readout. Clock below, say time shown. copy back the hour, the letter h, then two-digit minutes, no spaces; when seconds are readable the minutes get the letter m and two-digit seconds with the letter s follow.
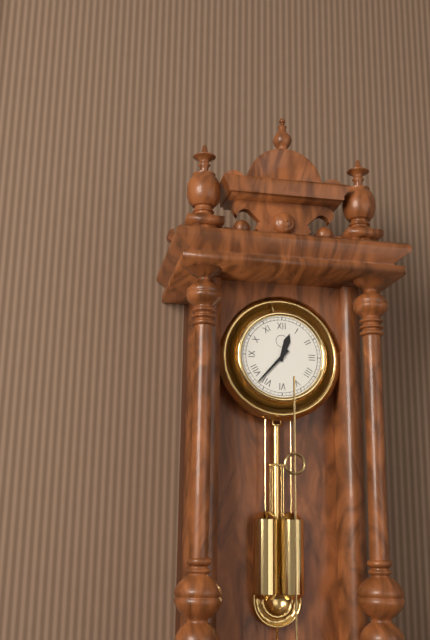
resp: 12h37
